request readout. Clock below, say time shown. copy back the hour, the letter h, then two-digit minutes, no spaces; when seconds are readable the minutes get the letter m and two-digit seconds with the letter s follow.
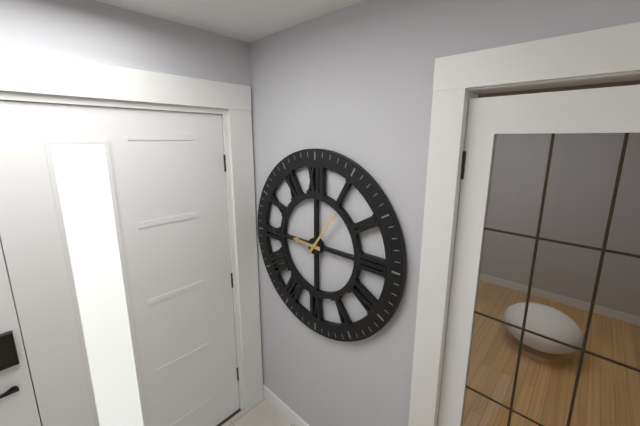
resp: 9h06
